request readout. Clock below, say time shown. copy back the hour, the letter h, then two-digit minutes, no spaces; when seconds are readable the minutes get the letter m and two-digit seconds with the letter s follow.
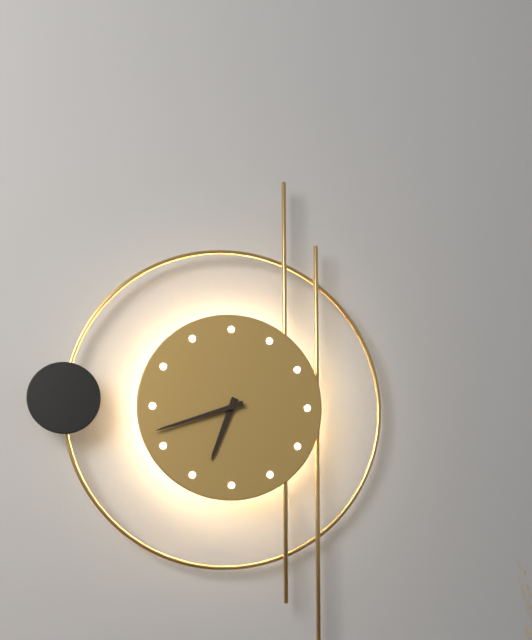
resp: 6h42
